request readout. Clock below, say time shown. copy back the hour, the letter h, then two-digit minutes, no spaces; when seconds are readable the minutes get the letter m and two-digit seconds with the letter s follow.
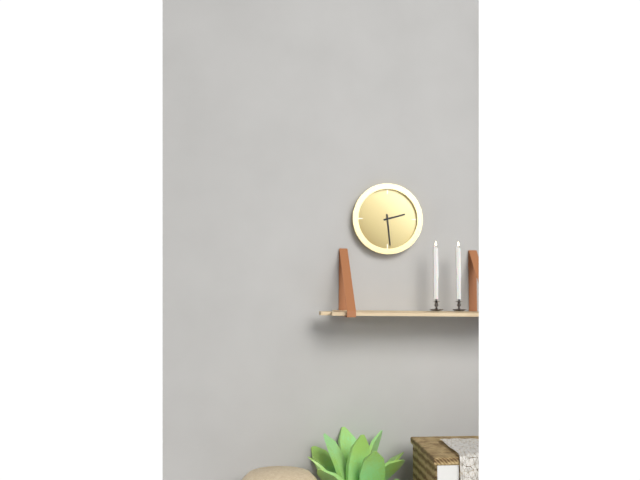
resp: 2h29
